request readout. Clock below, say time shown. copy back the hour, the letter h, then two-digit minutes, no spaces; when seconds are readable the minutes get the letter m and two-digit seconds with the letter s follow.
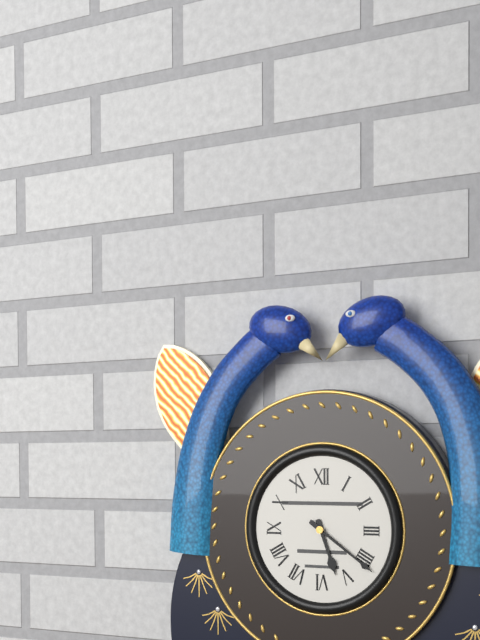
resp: 5h21
